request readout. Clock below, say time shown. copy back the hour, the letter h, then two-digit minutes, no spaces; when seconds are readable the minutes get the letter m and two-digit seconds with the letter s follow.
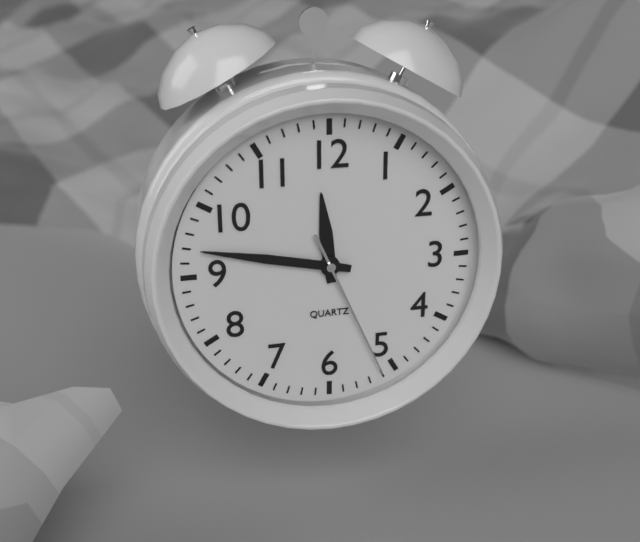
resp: 11h47m26s
